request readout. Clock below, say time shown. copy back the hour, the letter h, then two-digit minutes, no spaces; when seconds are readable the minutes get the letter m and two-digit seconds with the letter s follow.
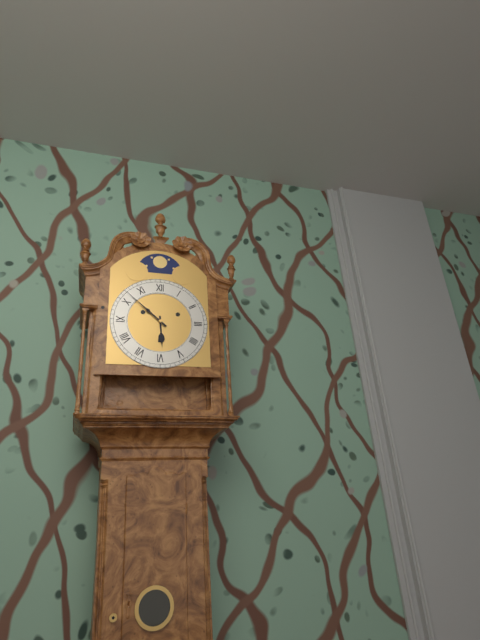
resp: 5h52
